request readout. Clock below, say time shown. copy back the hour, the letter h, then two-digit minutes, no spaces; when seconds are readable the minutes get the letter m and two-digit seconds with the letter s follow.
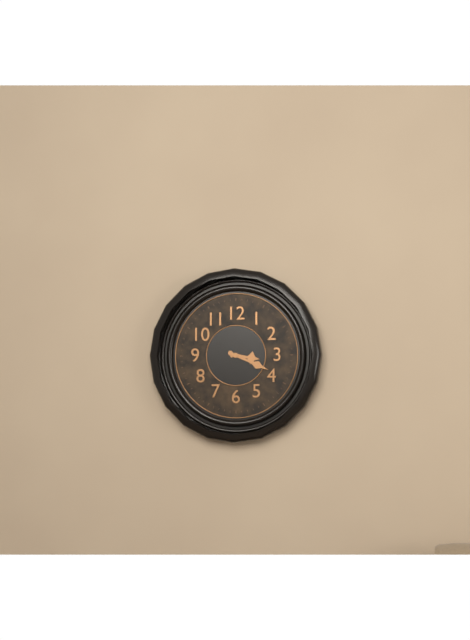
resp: 3h19
